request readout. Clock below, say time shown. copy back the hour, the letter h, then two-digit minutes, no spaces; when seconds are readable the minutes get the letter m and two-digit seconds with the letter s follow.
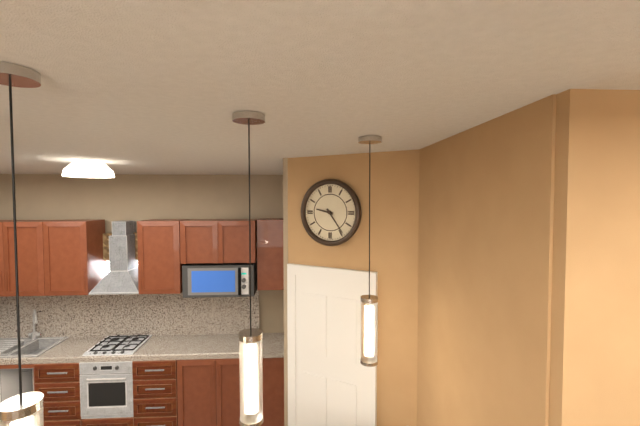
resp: 9h24
